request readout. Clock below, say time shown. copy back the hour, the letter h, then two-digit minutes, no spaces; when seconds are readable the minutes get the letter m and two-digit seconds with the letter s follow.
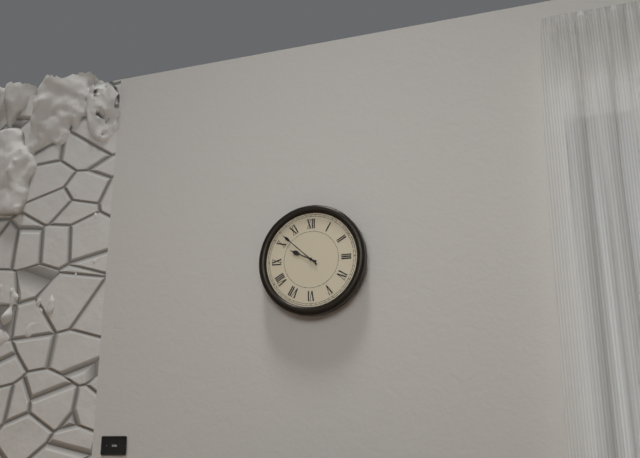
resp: 9h52
